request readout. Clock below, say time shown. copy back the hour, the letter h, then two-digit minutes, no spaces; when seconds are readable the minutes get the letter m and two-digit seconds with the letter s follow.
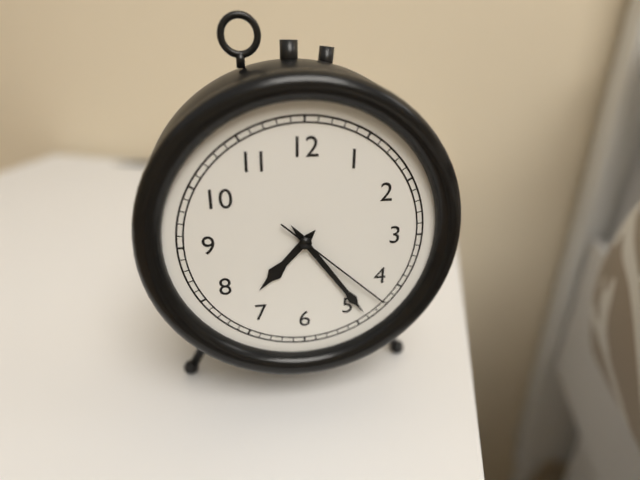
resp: 7h24m22s
